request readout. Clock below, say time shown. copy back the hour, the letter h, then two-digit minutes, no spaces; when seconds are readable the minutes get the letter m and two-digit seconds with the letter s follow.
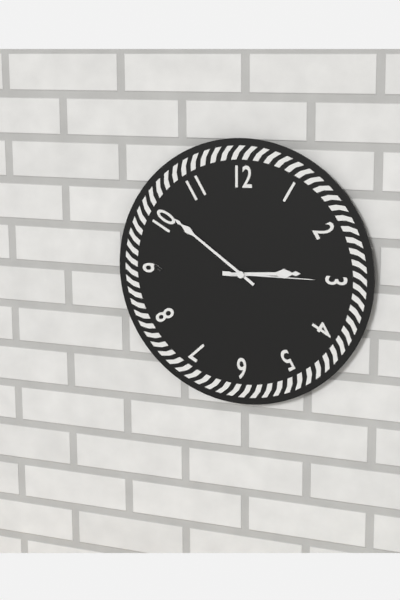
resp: 2h51m15s
